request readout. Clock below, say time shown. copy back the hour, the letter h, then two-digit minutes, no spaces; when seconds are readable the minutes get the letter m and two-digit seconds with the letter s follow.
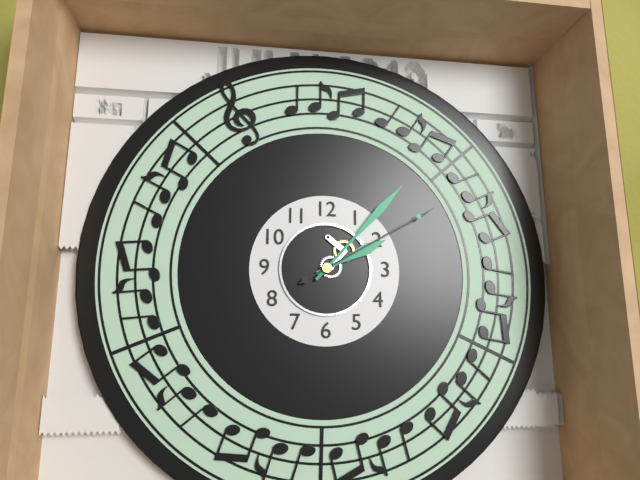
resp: 2h07m10s
